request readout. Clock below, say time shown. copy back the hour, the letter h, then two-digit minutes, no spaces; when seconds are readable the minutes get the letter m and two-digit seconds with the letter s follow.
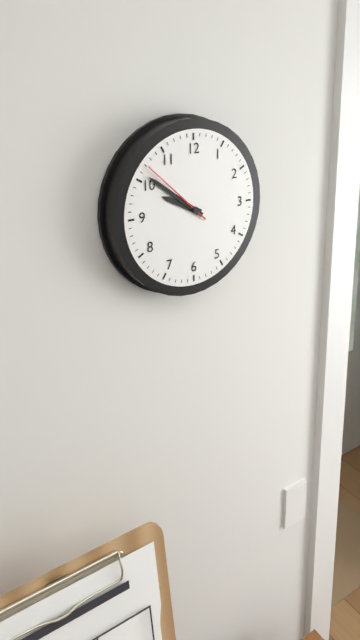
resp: 9h51m52s
